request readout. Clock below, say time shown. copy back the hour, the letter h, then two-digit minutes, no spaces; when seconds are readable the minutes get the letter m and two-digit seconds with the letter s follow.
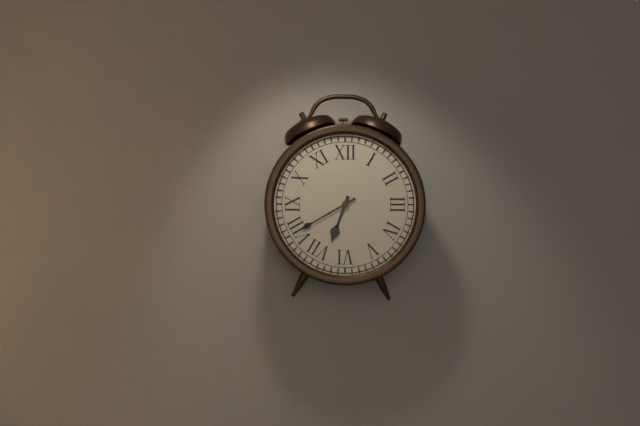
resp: 6h40
